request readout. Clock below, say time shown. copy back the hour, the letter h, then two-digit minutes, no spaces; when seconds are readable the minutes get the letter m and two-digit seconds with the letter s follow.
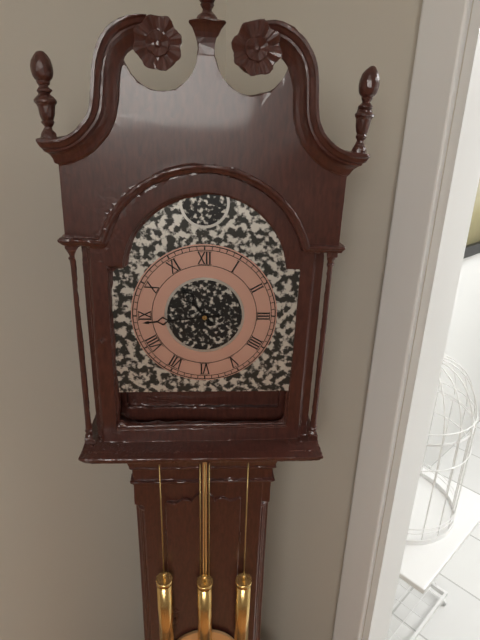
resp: 10h44
